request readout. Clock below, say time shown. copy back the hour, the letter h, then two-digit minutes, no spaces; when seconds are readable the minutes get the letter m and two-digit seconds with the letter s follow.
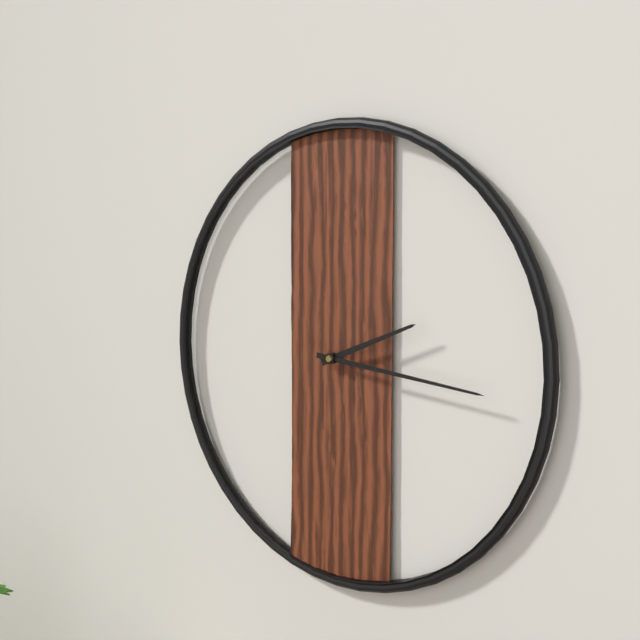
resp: 2h16
